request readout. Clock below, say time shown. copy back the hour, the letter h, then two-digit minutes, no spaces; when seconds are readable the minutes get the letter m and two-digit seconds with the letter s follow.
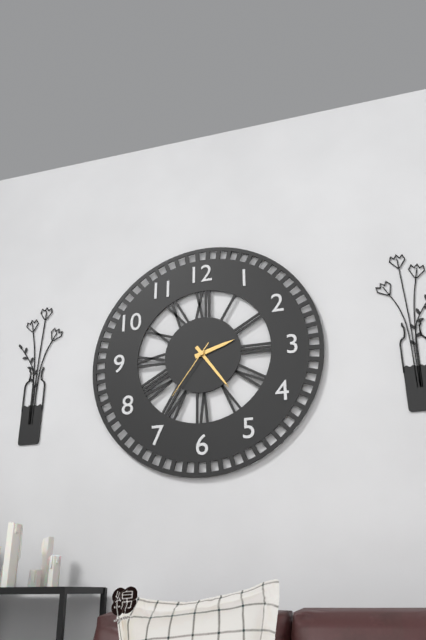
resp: 2h24m36s
